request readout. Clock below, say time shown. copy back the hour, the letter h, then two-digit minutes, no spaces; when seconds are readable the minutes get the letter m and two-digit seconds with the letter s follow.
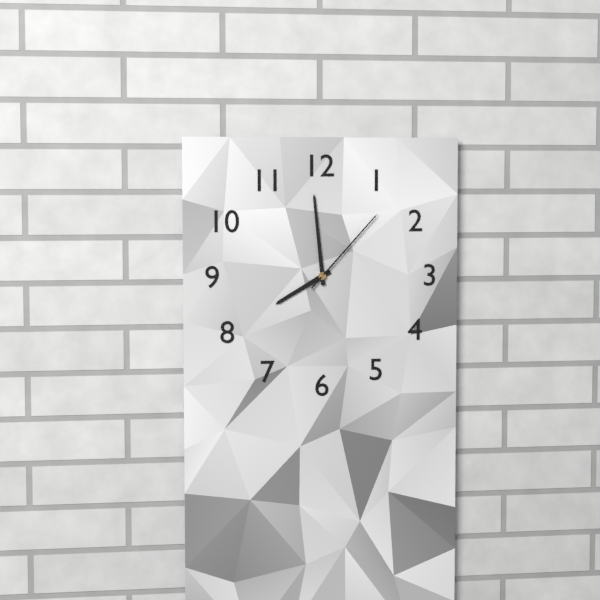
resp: 7h59m07s
